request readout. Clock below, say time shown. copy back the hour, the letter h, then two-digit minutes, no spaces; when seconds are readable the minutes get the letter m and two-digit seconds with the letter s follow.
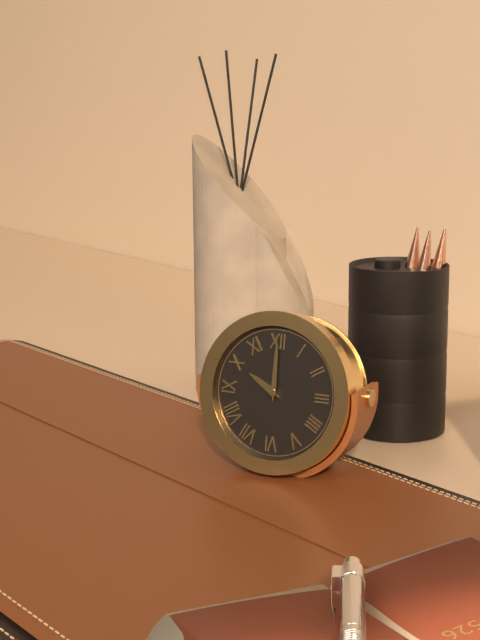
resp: 10h00
